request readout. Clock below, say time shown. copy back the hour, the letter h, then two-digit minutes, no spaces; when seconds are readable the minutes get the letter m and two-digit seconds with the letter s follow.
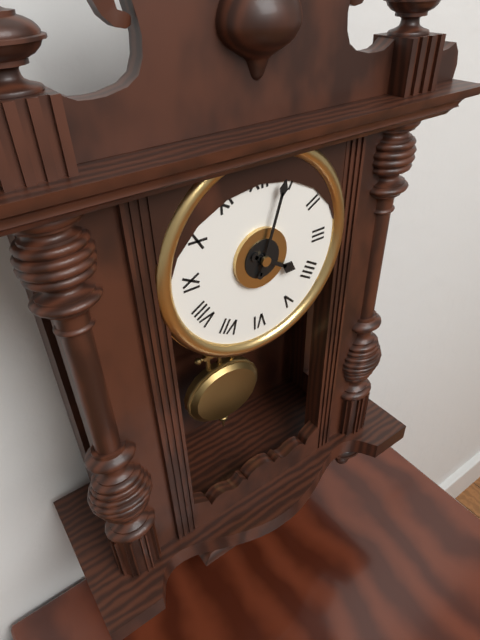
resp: 4h03
